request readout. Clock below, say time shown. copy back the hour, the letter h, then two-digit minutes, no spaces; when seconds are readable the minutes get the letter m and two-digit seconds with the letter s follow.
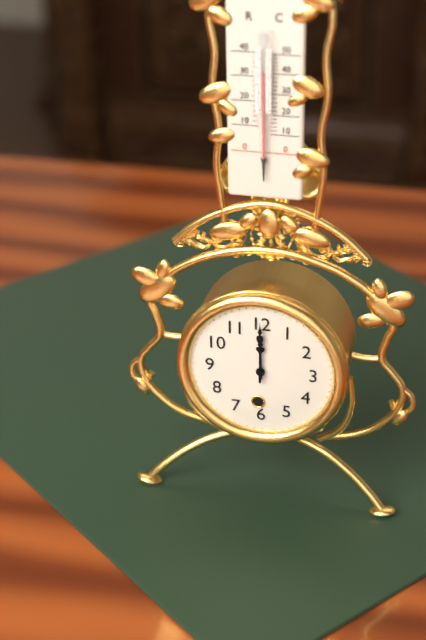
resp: 12h00
